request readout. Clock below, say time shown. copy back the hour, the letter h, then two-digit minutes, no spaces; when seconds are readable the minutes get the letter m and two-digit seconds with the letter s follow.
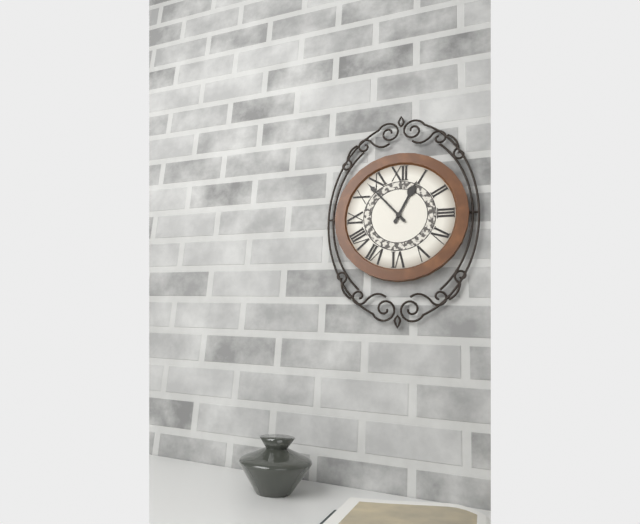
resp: 12h53
